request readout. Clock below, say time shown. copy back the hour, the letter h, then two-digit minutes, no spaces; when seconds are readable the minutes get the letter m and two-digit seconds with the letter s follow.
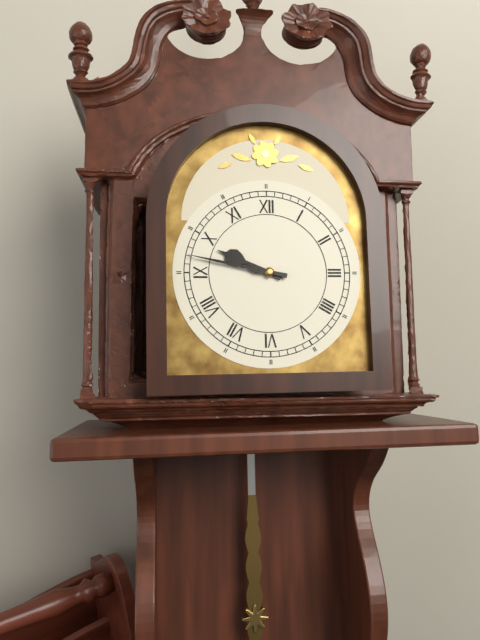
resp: 9h47
